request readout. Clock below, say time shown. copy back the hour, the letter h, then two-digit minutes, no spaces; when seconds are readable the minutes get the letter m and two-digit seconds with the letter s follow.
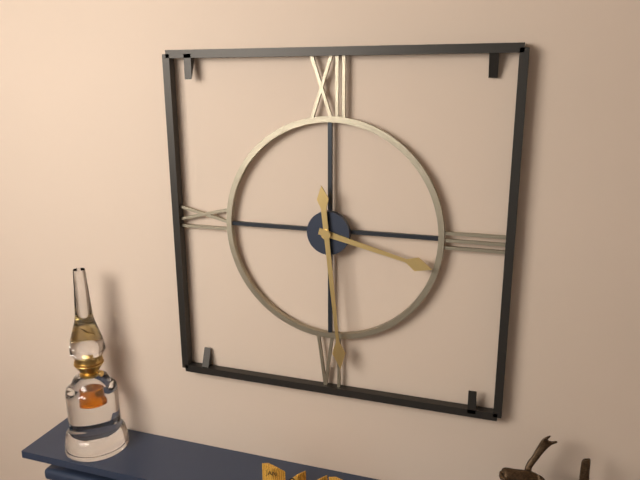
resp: 3h29
